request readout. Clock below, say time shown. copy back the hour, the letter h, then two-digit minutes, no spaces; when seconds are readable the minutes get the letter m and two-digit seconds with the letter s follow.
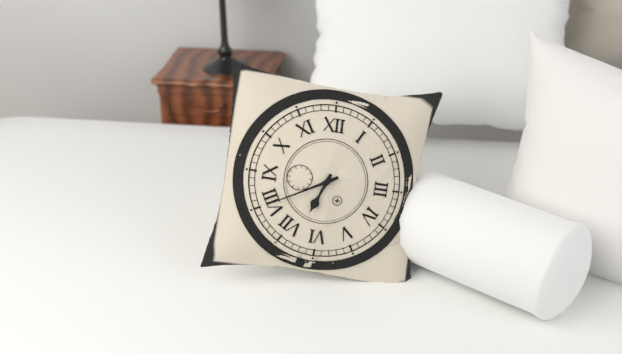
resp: 6h40
